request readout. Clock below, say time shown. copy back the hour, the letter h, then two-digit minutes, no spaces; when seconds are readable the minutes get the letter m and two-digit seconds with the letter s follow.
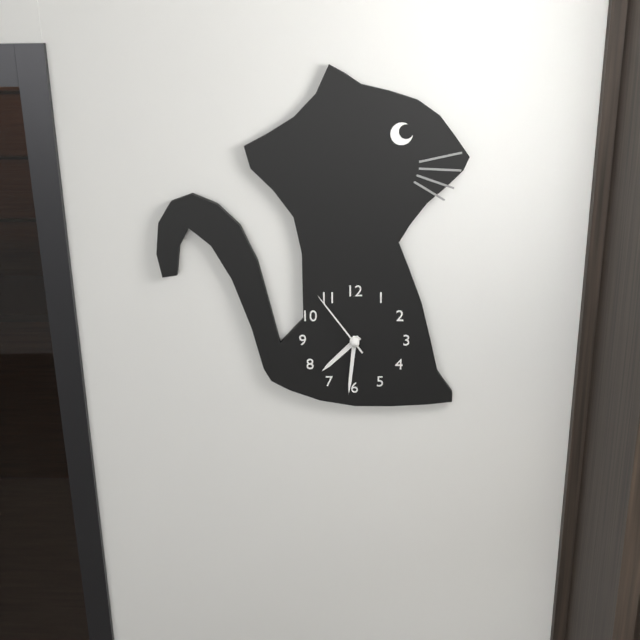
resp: 7h31m54s
